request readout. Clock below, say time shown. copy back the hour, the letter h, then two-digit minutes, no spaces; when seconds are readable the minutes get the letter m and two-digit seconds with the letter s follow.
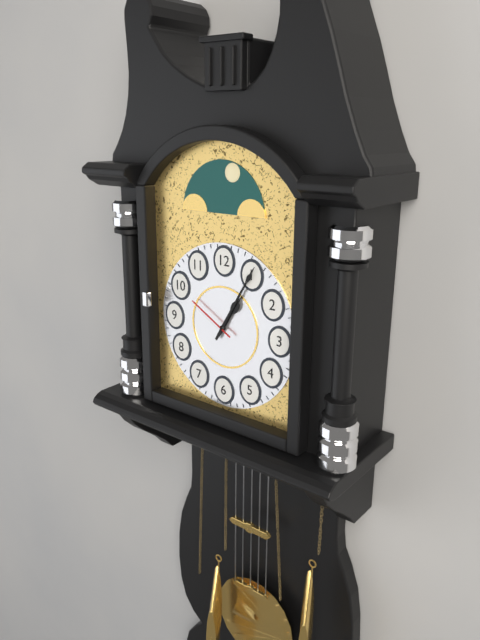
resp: 1h05m50s
